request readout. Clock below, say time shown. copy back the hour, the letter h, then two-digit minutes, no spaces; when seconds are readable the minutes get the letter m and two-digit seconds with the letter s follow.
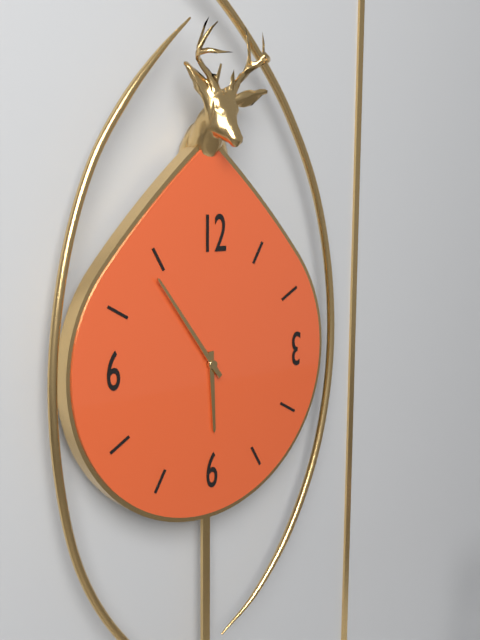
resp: 5h54
